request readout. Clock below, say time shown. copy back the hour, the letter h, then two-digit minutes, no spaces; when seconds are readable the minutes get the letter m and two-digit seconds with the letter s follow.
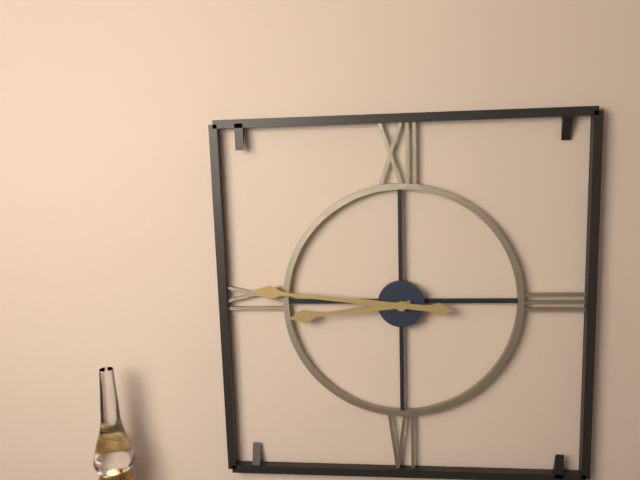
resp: 8h46
